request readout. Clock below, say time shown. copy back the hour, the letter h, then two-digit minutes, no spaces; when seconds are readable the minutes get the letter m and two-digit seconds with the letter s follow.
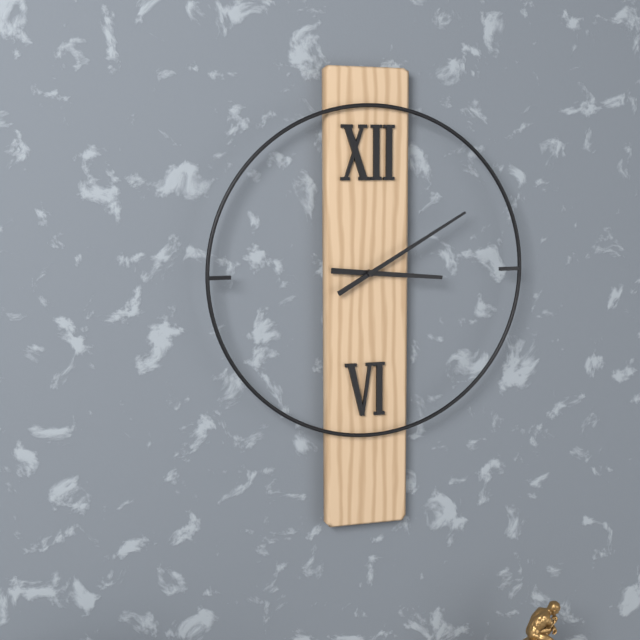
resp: 3h10
